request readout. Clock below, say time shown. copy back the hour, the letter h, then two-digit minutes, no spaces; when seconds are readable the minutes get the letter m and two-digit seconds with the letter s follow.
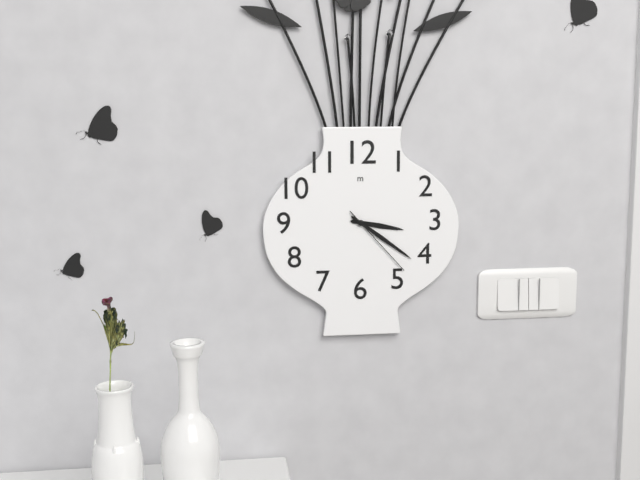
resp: 3h21m23s
